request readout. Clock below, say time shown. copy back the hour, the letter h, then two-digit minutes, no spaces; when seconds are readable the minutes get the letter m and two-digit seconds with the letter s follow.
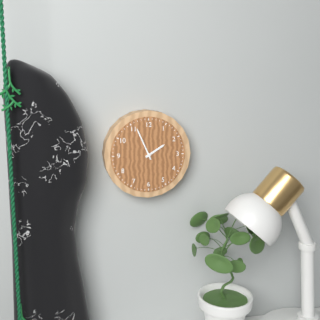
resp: 1h56
